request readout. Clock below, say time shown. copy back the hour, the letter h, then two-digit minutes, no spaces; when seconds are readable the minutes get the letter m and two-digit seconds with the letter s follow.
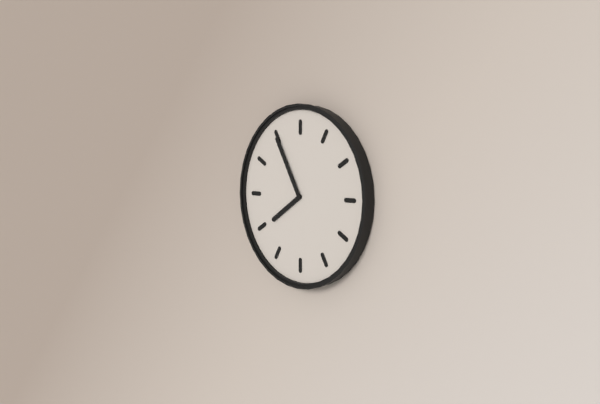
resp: 7h55
